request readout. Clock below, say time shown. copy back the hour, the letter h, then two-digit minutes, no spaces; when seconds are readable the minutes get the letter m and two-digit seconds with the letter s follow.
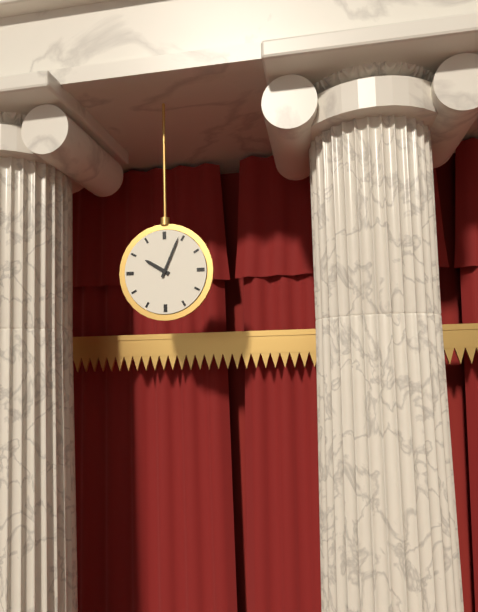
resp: 10h04
